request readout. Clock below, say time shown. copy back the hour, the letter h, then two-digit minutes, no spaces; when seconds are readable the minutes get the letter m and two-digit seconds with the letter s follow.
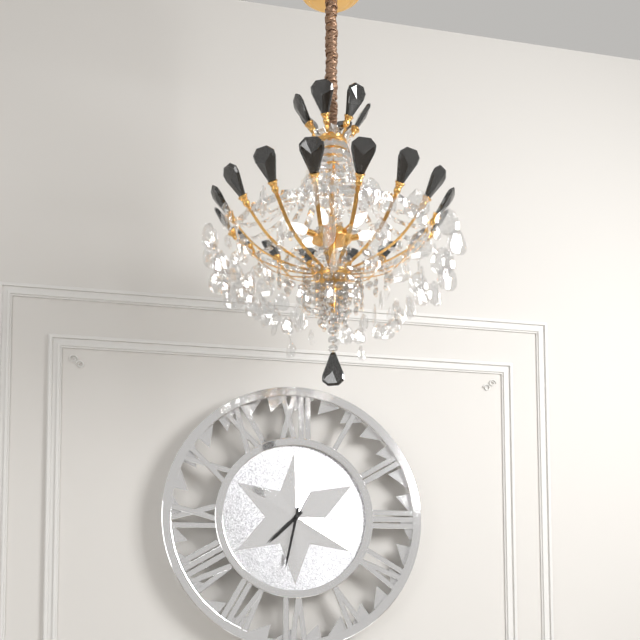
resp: 7h32
